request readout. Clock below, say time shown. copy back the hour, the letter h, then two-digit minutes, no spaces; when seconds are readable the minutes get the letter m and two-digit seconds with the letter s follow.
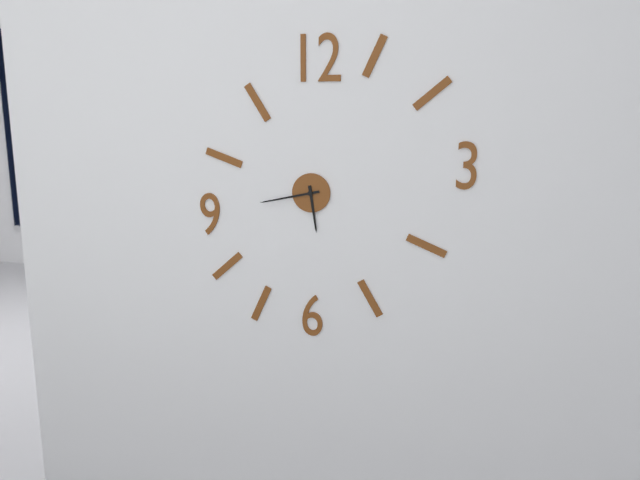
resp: 5h43
